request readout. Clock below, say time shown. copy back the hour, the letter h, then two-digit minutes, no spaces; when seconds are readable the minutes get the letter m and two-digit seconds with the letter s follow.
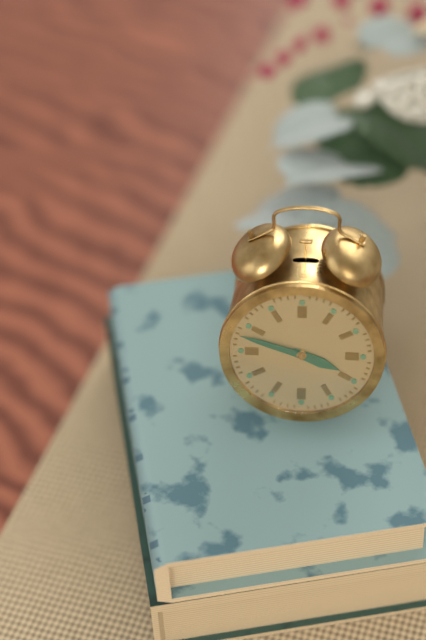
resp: 3h48
